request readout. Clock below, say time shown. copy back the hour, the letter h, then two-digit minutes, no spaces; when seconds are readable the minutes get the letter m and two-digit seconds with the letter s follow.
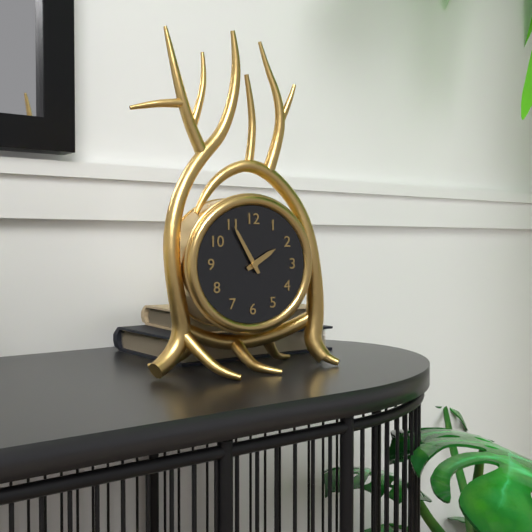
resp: 1h55
